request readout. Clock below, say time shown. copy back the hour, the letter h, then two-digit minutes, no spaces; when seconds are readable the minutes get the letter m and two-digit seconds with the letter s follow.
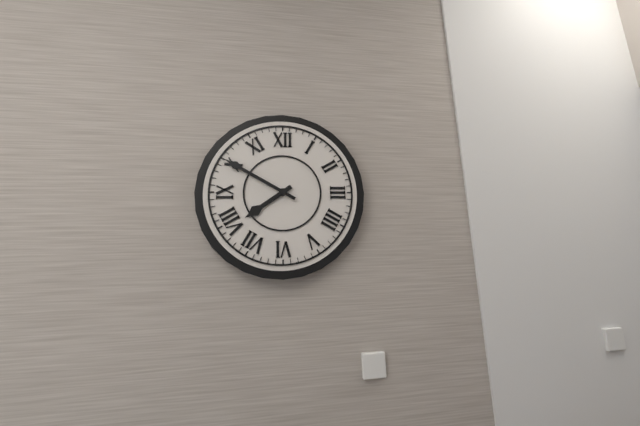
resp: 7h50
